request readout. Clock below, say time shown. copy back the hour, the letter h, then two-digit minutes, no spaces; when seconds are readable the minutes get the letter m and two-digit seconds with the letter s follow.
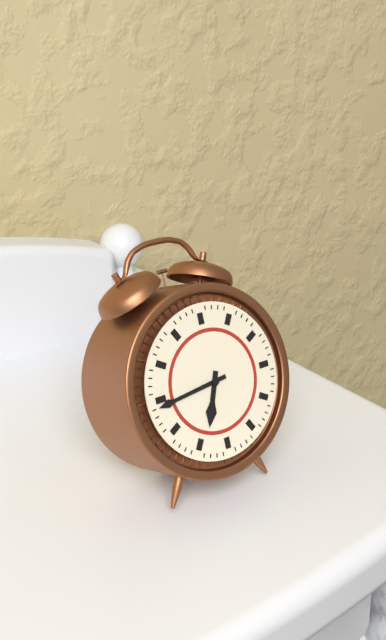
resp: 6h44
